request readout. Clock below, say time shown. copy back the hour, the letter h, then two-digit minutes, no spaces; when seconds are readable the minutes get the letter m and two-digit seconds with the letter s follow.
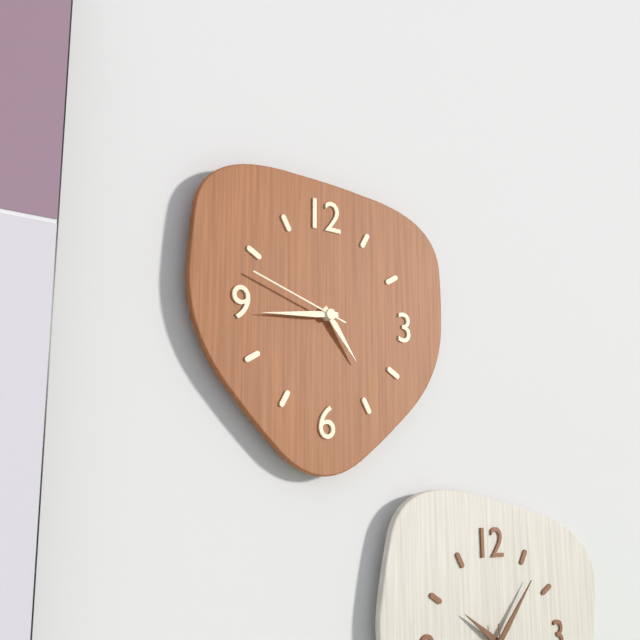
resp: 4h44m48s
